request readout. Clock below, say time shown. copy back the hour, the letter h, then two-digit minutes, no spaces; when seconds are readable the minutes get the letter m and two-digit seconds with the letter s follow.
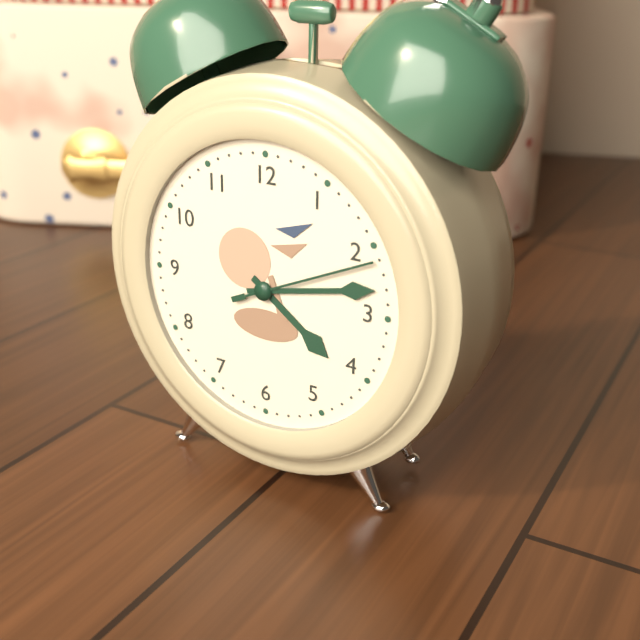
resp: 4h13m11s
